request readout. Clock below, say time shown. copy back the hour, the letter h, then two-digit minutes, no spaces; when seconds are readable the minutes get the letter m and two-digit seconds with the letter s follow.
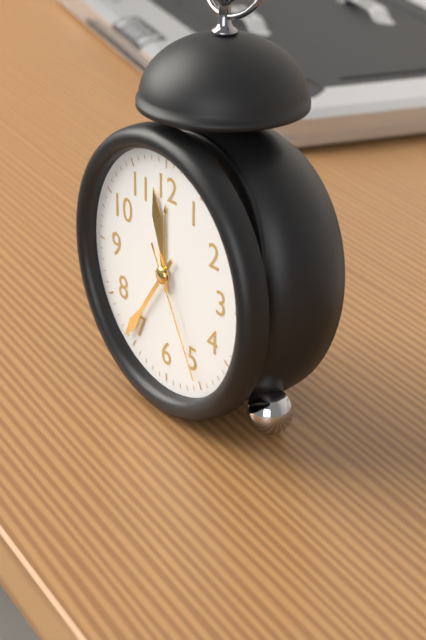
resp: 11h36m25s
